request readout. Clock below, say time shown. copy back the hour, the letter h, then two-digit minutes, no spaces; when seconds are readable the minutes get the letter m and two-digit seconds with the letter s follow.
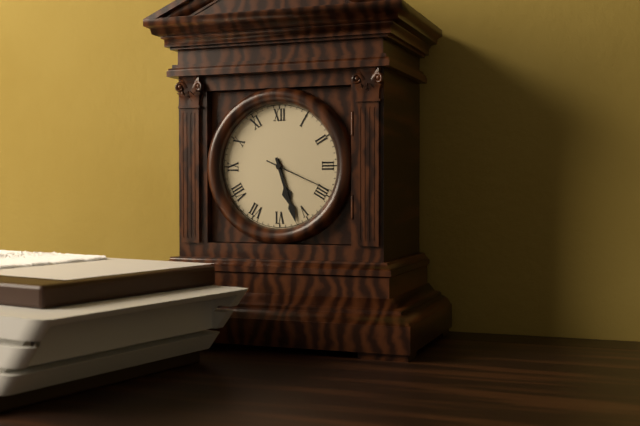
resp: 5h27m19s
